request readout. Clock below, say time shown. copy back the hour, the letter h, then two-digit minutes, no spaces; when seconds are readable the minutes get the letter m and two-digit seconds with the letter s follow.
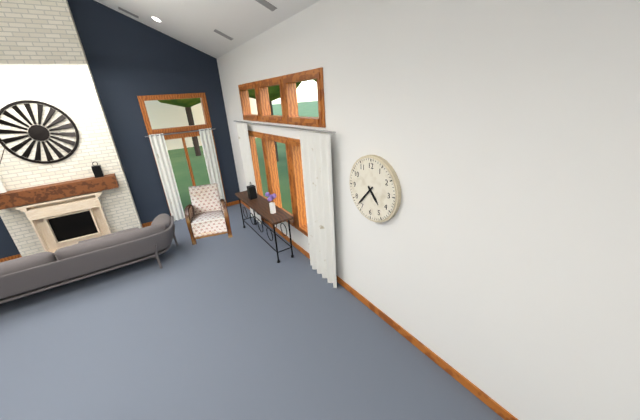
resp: 4h37
